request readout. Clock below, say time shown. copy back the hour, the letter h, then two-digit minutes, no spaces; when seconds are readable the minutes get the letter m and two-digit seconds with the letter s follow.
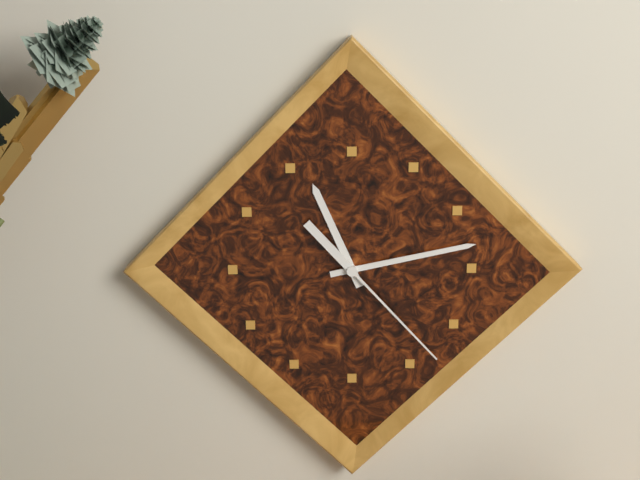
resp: 11h13m23s
